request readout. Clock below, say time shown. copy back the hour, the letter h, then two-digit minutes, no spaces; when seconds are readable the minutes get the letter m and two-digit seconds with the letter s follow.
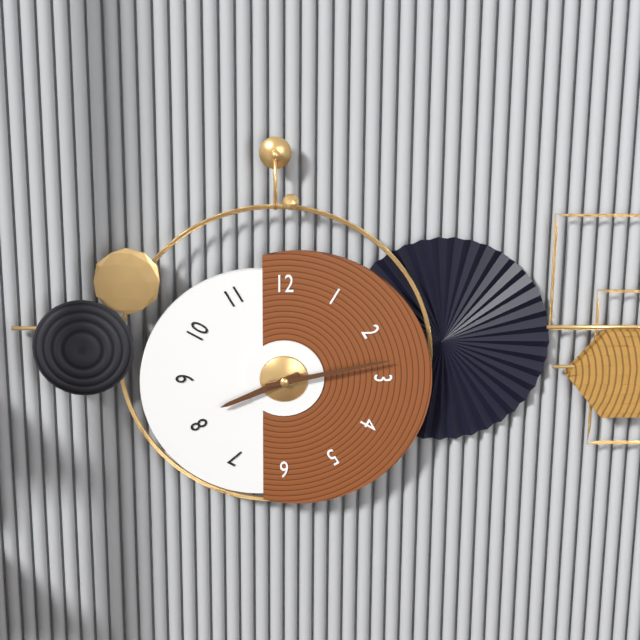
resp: 8h13
